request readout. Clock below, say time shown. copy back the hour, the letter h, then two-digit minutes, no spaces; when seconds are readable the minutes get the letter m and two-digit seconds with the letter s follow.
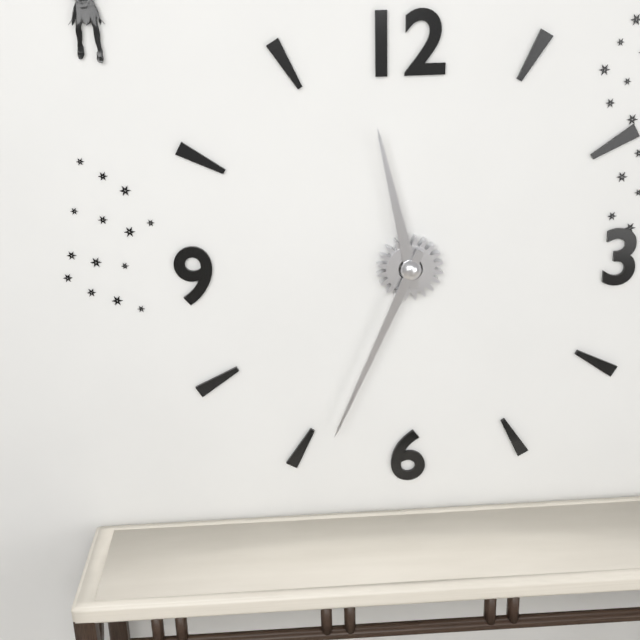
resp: 11h34
